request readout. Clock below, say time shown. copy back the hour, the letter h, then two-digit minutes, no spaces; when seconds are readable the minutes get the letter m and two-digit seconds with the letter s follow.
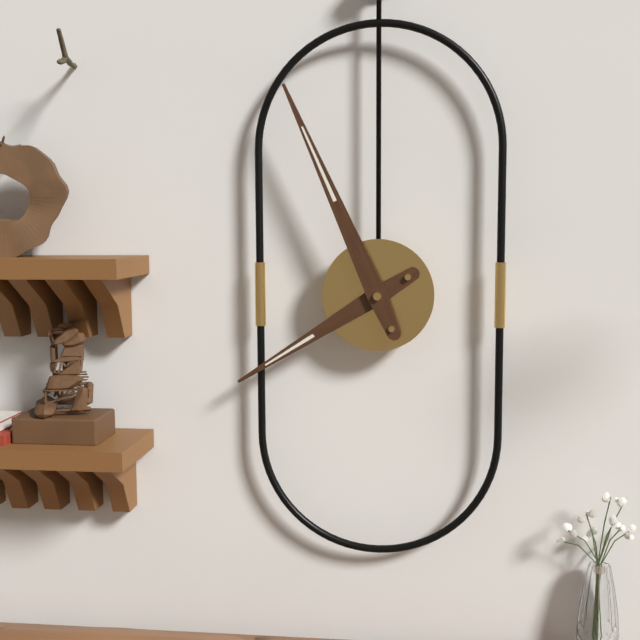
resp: 7h56
